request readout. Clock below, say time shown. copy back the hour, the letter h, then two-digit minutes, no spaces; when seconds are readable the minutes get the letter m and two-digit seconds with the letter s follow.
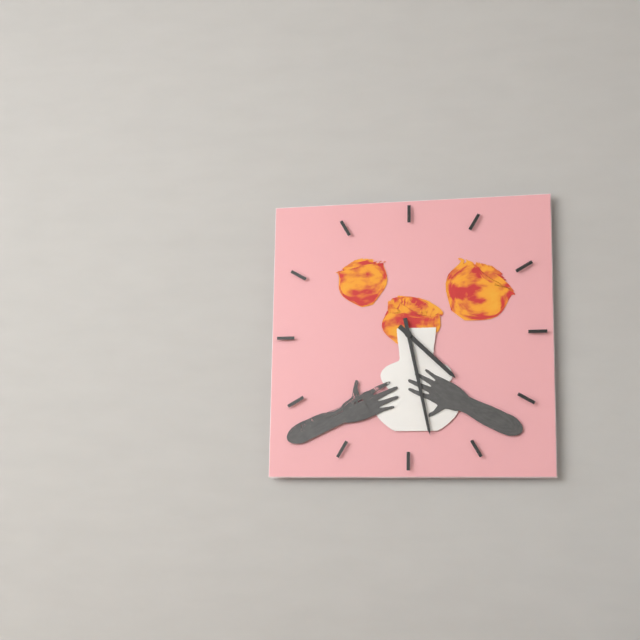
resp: 4h28
